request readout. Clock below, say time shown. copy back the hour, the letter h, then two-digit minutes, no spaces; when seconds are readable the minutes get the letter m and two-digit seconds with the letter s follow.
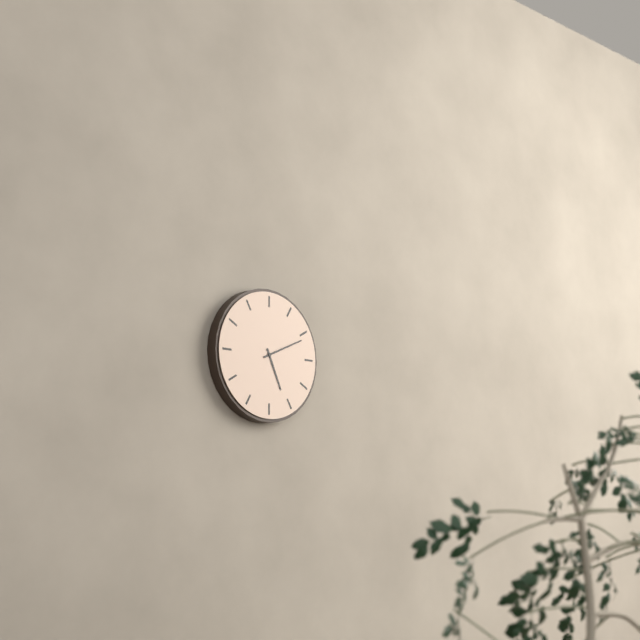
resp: 5h11
